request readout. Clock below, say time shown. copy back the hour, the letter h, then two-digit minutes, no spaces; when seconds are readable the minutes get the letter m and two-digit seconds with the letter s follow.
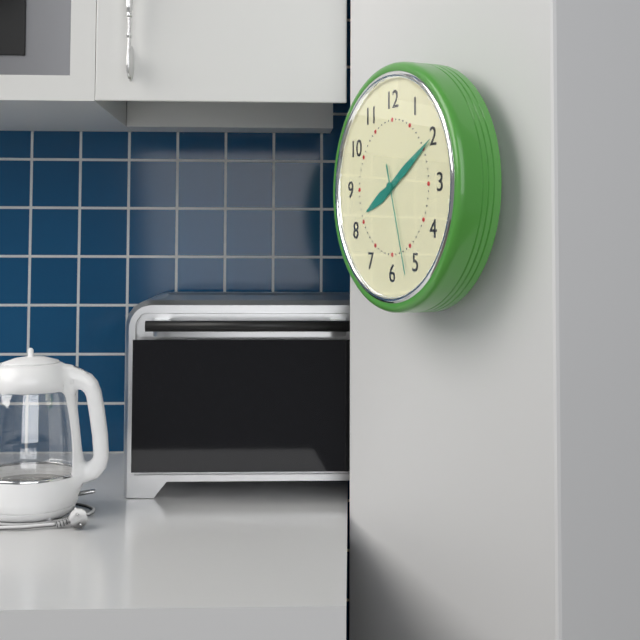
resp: 8h10m27s
